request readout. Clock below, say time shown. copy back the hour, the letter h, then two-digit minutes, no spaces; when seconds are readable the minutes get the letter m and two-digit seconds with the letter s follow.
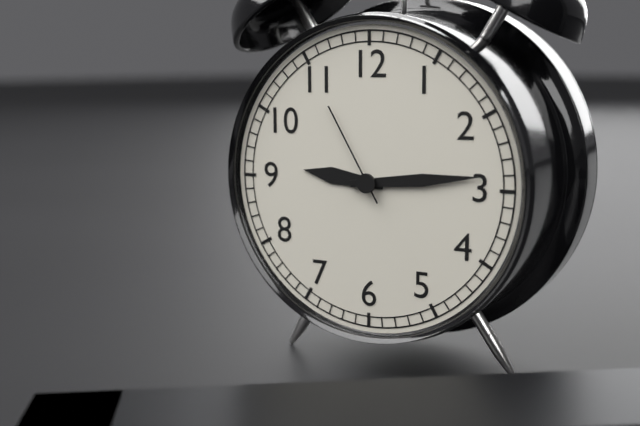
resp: 9h14m55s
